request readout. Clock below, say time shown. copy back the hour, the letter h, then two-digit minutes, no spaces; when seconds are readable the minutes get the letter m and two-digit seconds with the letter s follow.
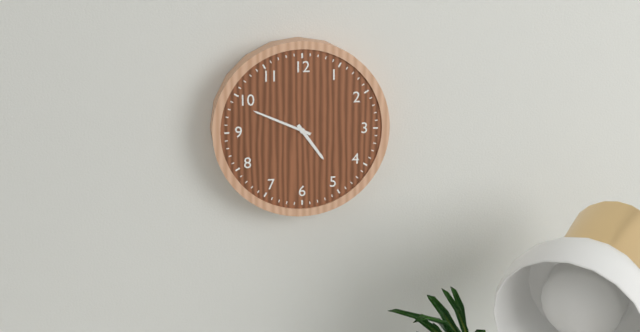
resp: 4h49
